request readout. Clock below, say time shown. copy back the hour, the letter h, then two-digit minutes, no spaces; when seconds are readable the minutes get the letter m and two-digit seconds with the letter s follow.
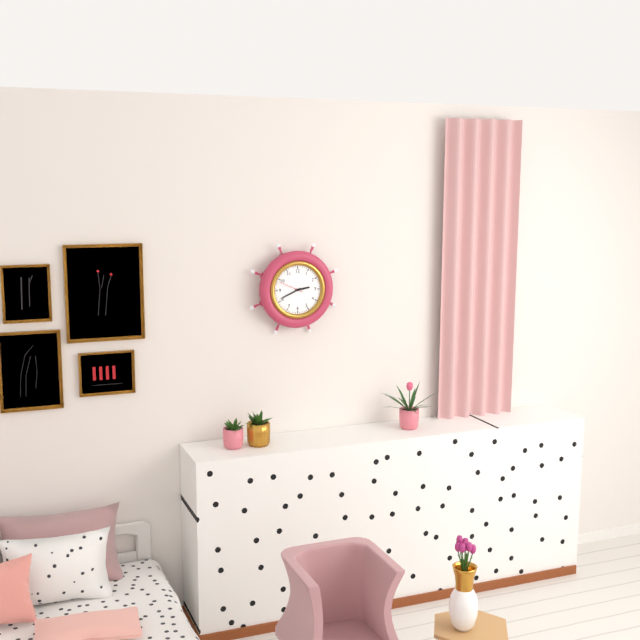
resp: 2h41
